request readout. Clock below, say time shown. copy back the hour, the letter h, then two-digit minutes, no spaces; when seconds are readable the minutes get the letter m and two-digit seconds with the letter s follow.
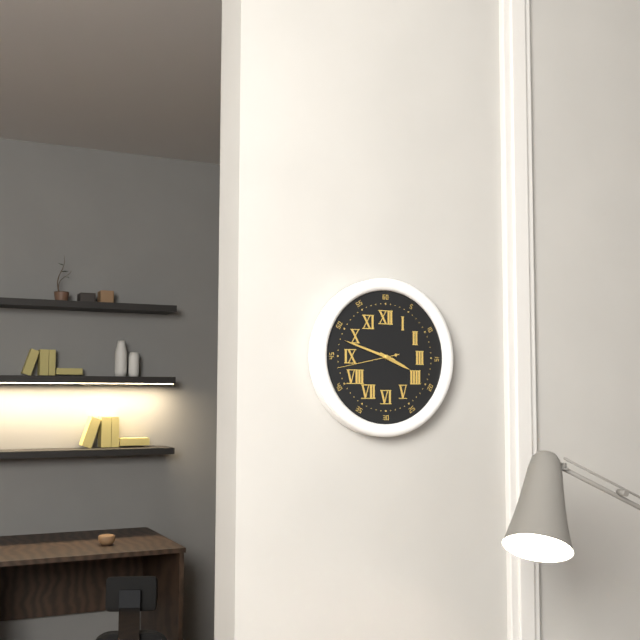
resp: 3h48m43s
